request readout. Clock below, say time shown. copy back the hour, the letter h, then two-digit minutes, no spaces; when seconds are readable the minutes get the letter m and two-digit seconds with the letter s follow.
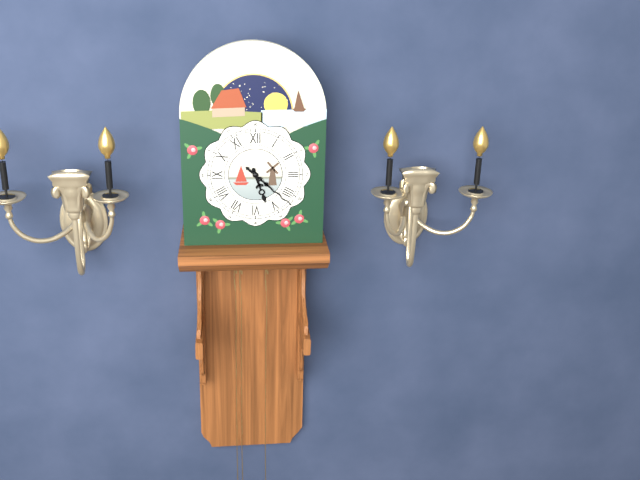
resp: 5h22
